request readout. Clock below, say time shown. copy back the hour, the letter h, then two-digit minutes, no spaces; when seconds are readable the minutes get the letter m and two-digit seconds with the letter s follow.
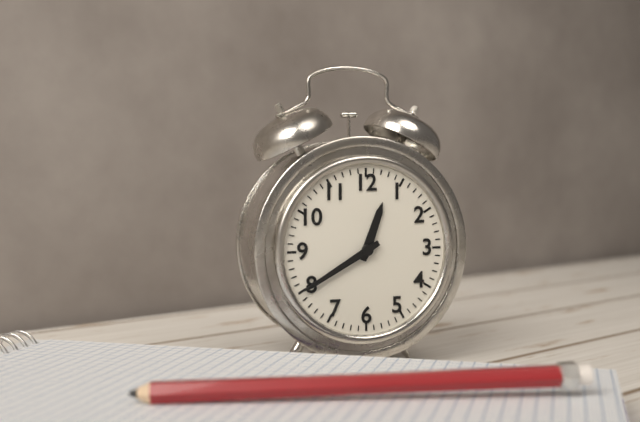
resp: 12h40
